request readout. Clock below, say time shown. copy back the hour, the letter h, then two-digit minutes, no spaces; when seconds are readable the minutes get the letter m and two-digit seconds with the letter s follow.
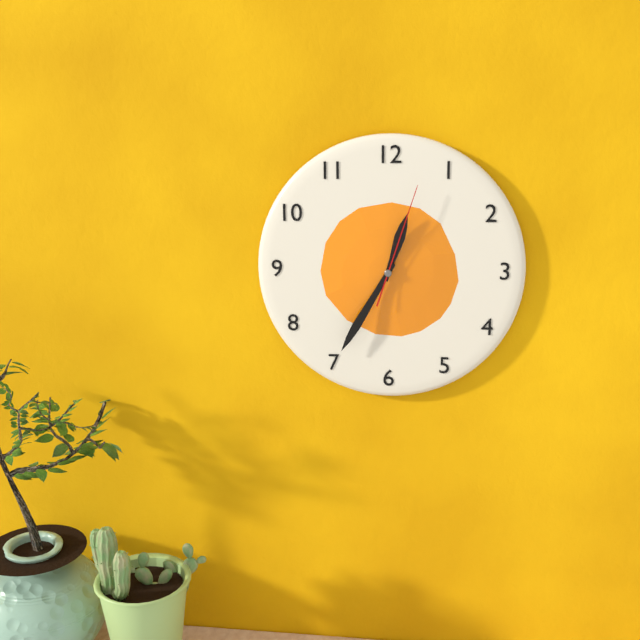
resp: 12h35m03s
